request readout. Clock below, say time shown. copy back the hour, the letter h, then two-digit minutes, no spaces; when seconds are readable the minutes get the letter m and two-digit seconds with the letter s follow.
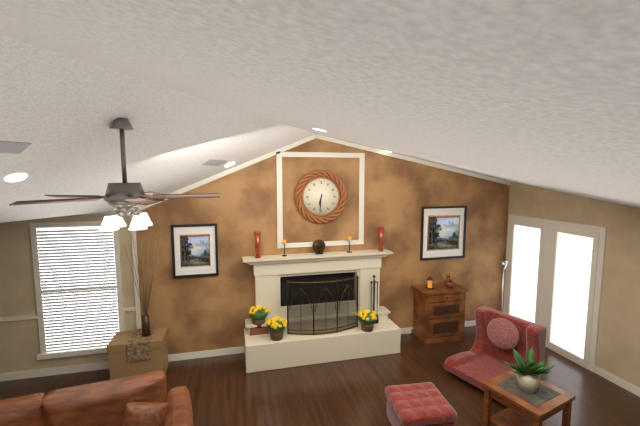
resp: 6h31
